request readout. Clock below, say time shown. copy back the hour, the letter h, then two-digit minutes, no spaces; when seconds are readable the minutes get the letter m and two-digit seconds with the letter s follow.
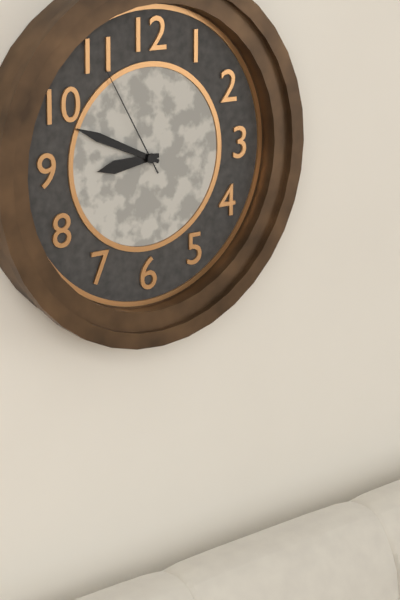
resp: 8h49m55s
